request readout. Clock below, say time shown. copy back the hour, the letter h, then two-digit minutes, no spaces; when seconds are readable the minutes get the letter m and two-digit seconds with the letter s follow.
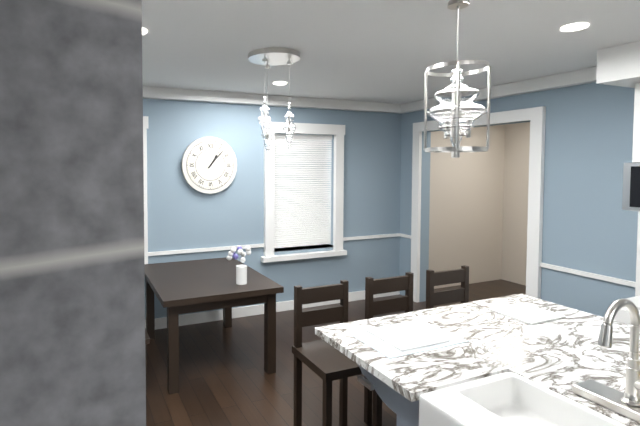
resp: 1h07
